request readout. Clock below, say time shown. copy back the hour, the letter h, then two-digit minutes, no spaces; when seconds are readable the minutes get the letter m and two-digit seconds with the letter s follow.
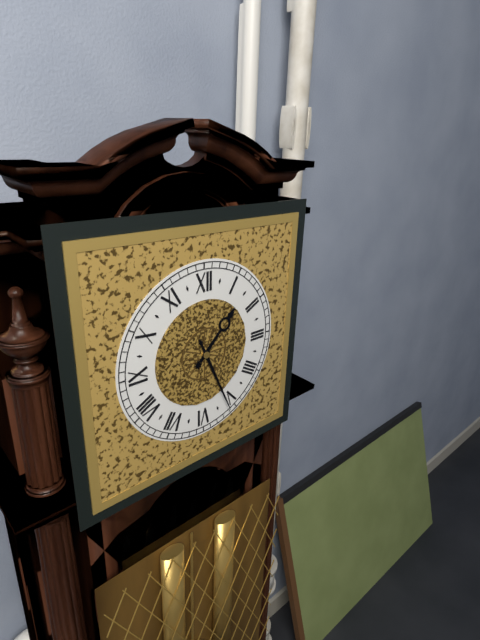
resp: 1h26
